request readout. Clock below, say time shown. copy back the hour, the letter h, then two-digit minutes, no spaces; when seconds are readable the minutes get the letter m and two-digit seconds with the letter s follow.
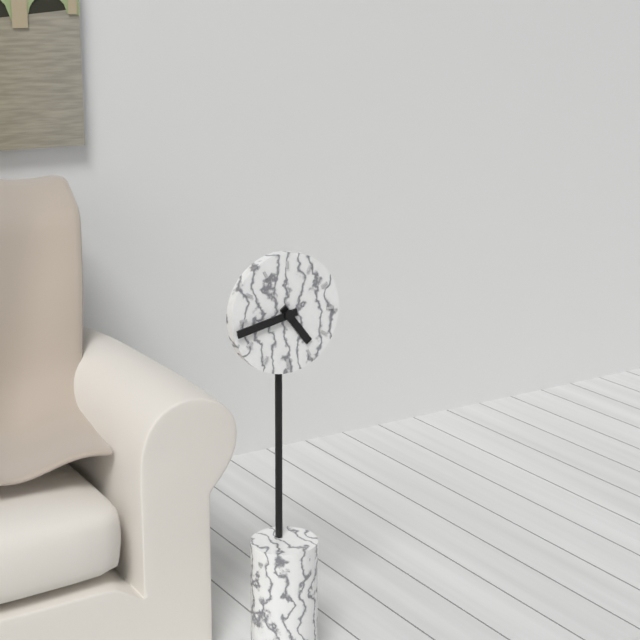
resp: 4h43
